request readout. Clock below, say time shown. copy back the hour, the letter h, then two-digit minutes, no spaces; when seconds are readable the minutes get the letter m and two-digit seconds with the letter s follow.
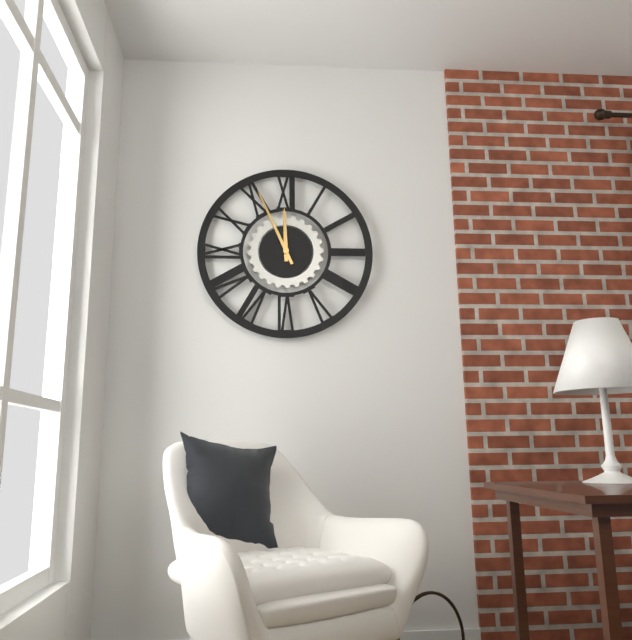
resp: 11h56
